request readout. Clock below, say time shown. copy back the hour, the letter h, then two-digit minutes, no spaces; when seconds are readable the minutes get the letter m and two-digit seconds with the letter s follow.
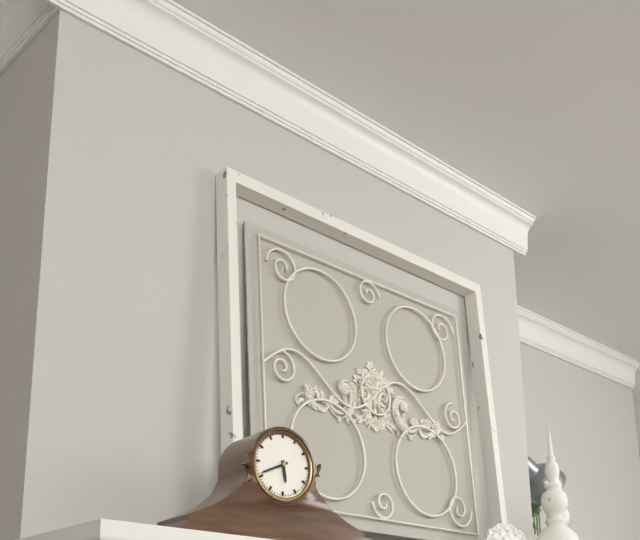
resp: 5h41
